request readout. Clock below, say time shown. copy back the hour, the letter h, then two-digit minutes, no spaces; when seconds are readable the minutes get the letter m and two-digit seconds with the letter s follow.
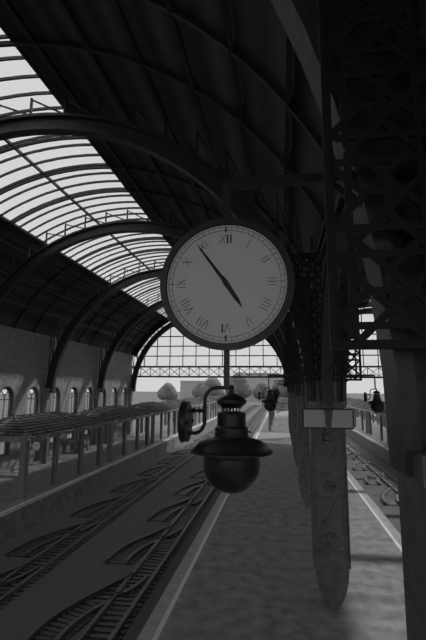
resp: 4h54
